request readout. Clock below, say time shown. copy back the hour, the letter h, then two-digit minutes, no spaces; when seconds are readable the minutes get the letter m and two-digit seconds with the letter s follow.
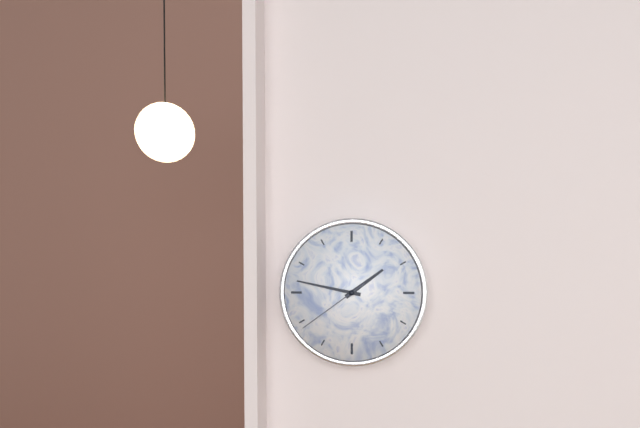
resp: 1h47m39s
